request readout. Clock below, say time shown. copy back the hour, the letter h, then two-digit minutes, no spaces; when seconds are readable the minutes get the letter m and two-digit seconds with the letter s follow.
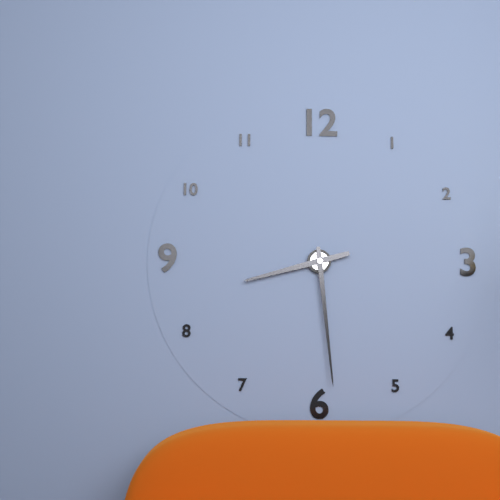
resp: 8h29
